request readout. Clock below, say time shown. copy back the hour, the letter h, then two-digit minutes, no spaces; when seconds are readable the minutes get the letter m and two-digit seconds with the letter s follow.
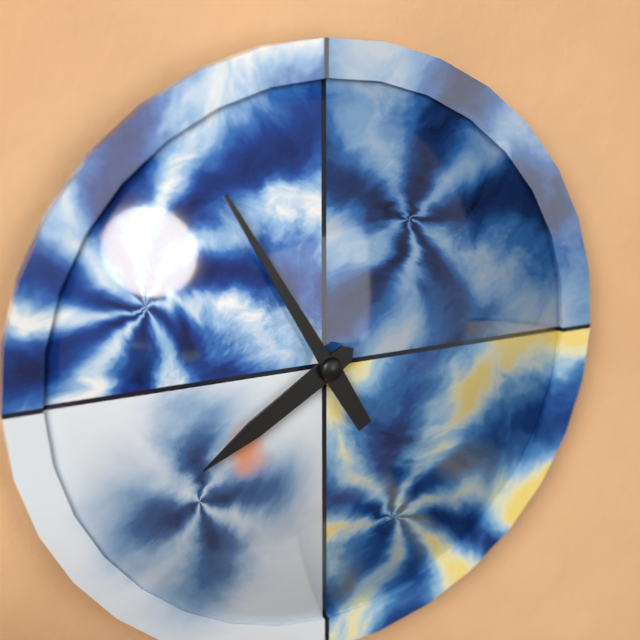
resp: 7h55
